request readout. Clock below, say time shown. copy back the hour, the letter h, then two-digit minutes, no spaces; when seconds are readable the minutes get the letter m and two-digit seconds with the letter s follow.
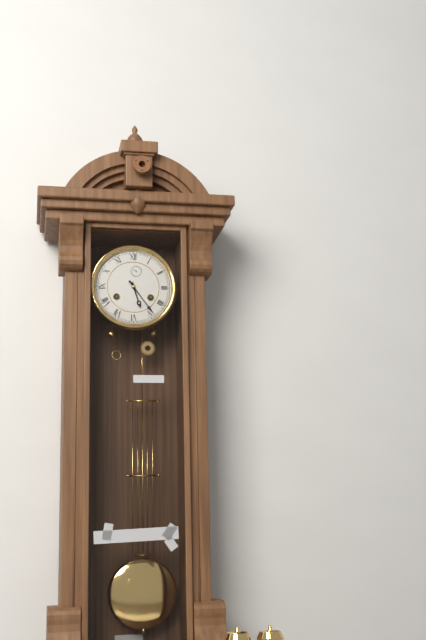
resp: 5h24
